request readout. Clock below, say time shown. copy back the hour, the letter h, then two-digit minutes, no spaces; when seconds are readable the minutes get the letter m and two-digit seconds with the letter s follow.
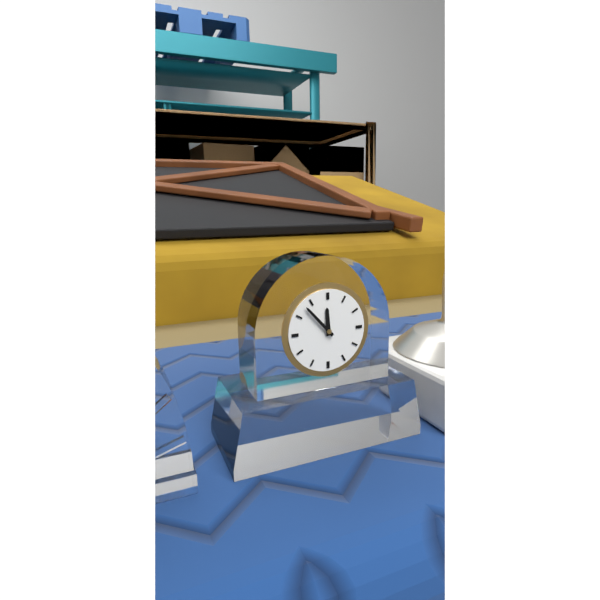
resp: 11h53
